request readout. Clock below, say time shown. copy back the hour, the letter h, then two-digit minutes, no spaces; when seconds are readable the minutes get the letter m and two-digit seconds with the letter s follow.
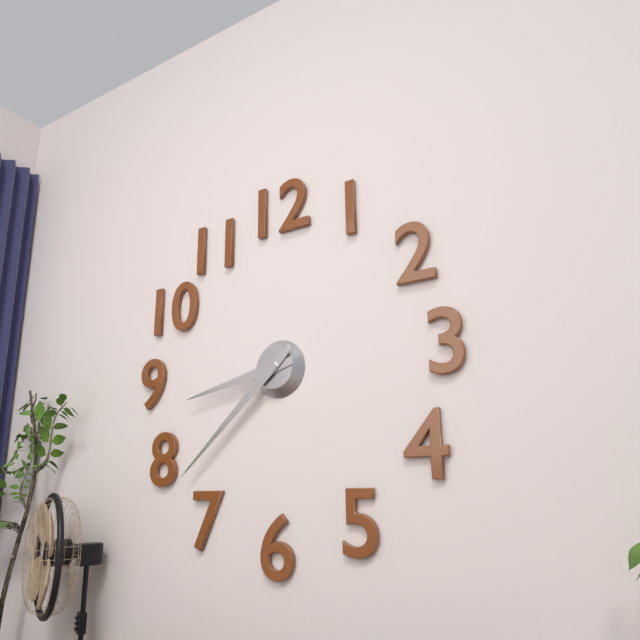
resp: 8h38
